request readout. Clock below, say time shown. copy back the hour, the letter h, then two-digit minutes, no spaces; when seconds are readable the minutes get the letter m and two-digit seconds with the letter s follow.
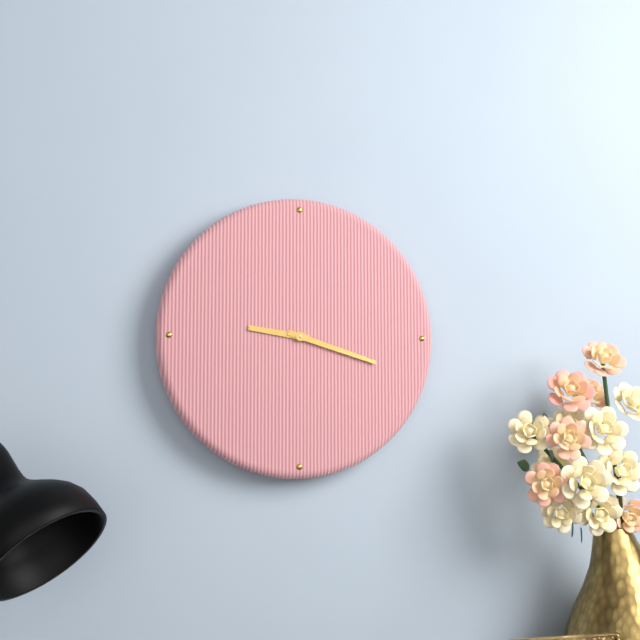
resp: 9h18
